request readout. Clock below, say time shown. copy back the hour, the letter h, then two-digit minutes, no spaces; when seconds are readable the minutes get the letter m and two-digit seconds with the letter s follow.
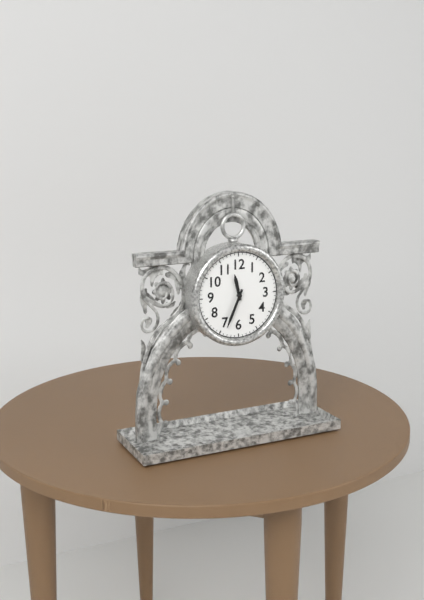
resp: 11h34
